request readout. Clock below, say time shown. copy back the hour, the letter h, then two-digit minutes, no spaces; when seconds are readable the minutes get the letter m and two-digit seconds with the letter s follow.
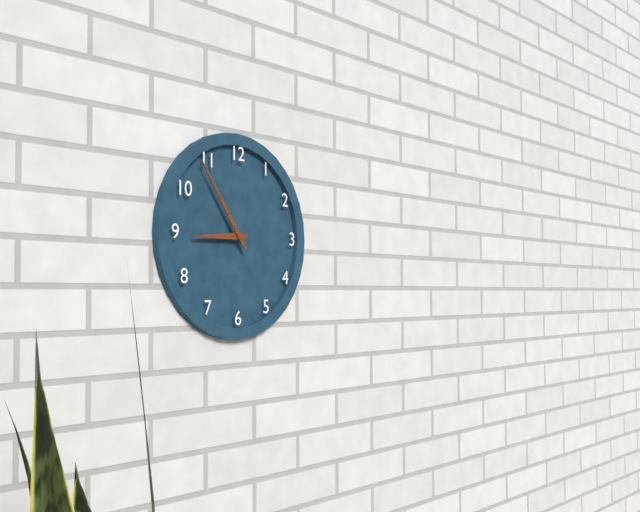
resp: 8h54
